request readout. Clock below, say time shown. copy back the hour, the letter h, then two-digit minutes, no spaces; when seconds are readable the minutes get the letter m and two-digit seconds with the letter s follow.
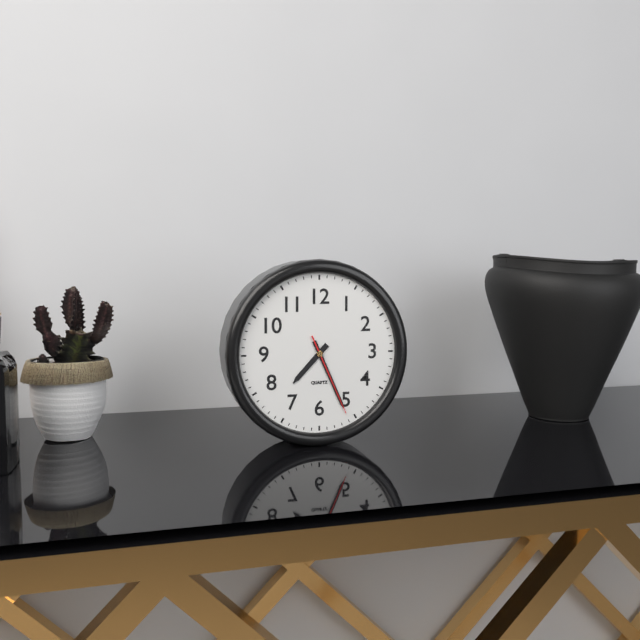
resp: 7h26m26s
